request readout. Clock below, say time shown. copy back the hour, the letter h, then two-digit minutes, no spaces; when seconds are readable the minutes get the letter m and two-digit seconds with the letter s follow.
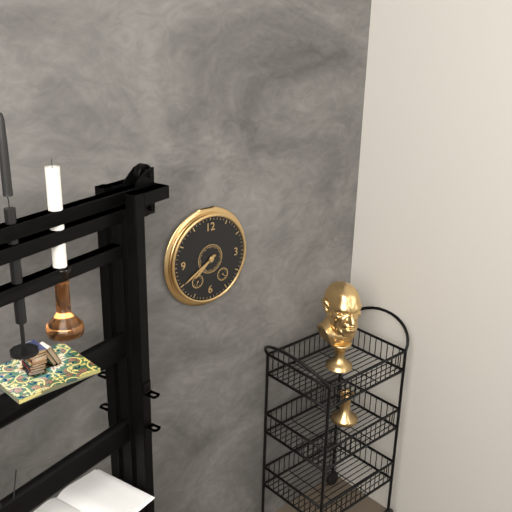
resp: 7h40
